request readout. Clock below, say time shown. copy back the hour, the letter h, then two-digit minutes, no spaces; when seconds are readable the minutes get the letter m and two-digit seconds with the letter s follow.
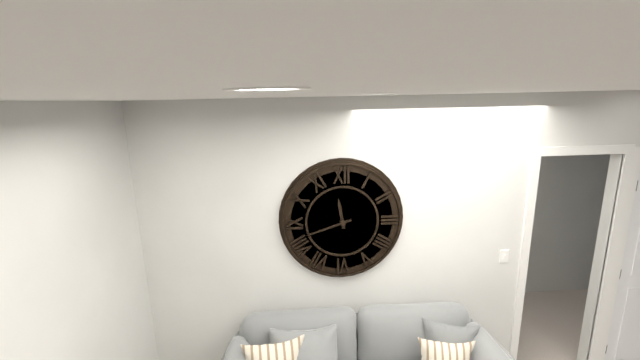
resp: 11h42
